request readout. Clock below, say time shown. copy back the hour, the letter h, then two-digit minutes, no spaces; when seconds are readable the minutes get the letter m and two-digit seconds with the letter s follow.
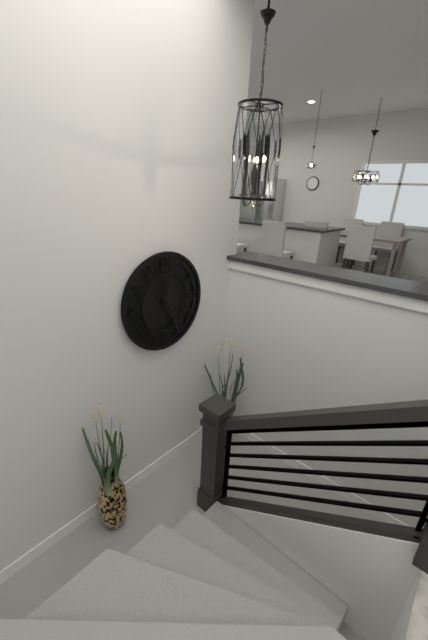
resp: 12h26
